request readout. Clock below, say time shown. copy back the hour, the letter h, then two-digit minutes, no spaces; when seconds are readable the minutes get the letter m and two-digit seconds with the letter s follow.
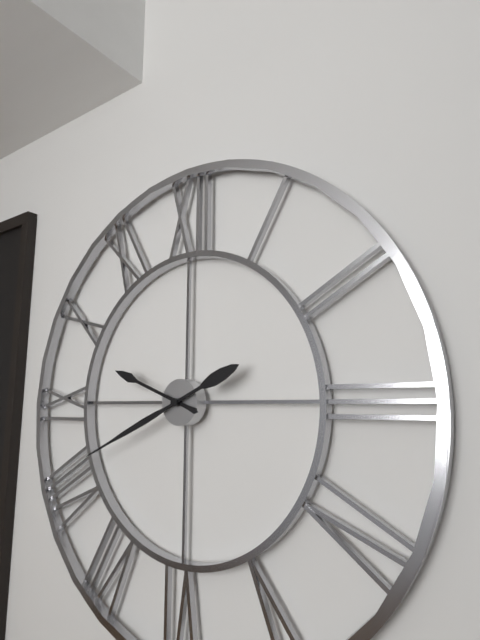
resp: 9h41
